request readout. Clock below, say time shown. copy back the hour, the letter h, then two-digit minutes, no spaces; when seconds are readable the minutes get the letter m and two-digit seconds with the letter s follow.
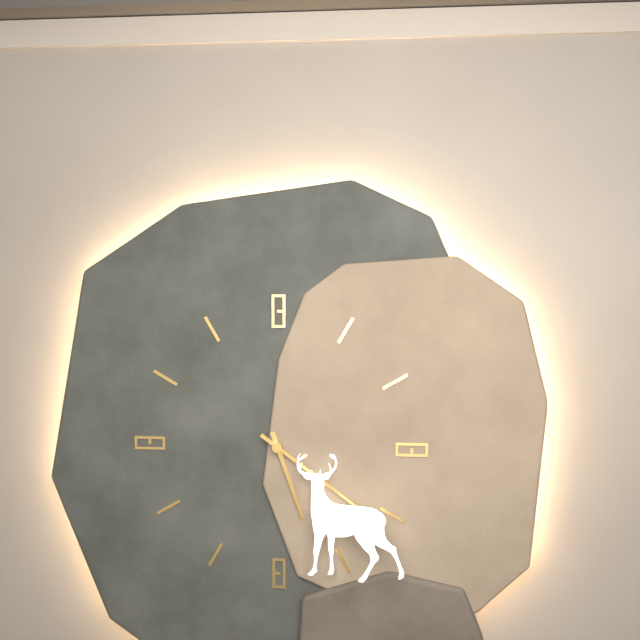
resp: 5h21
